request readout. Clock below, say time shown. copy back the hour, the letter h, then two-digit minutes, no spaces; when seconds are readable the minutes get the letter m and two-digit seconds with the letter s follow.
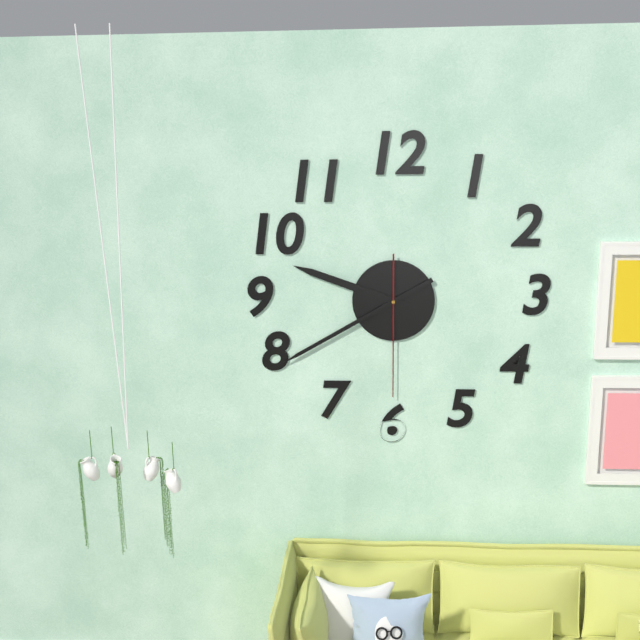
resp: 9h40m30s
